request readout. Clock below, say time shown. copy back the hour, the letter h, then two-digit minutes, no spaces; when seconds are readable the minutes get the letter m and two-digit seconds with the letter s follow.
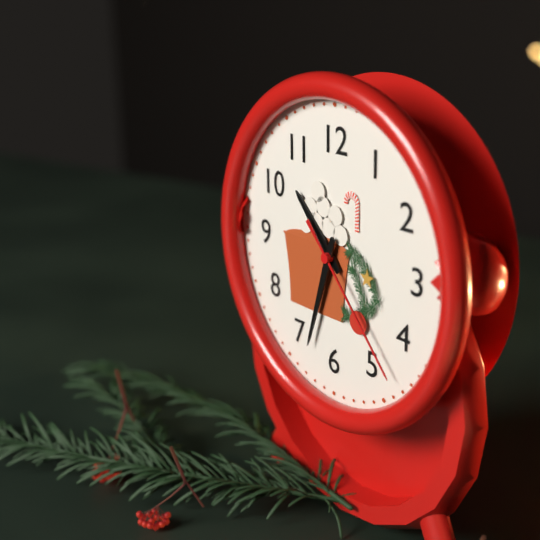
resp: 10h33m23s
